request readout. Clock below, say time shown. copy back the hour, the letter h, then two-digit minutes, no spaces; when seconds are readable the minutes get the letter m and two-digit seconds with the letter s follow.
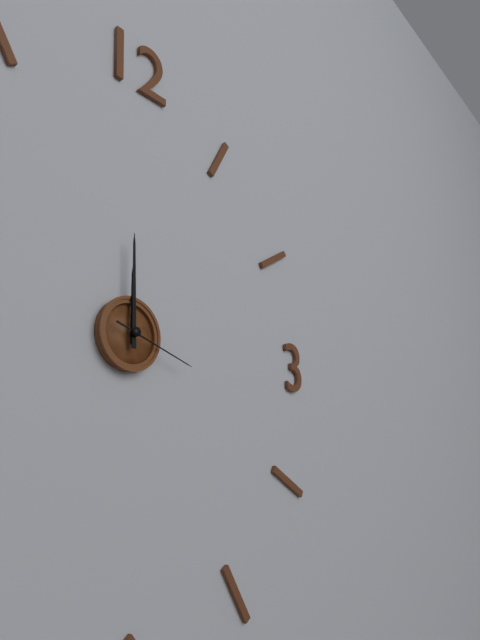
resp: 12h00m18s
